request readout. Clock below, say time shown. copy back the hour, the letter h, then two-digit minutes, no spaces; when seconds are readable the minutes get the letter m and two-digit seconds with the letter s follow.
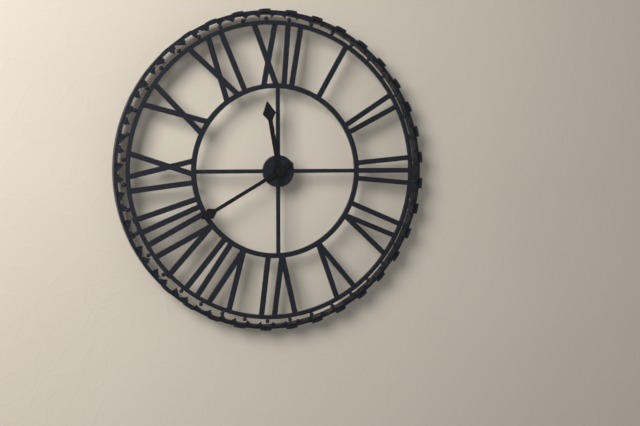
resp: 11h40
